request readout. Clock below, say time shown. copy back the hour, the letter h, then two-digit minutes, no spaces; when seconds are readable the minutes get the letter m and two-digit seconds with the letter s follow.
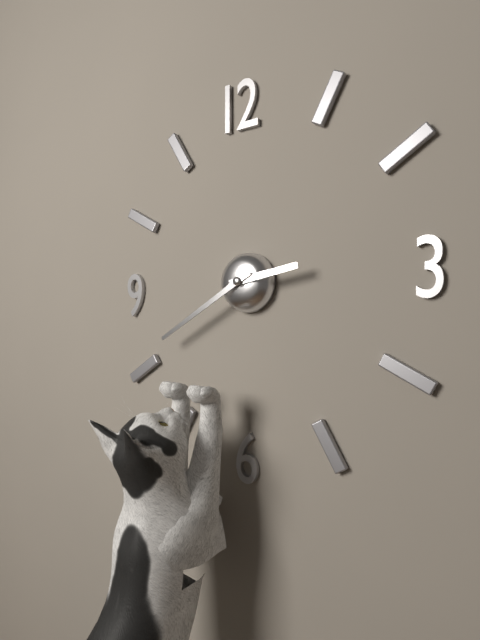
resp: 2h40
